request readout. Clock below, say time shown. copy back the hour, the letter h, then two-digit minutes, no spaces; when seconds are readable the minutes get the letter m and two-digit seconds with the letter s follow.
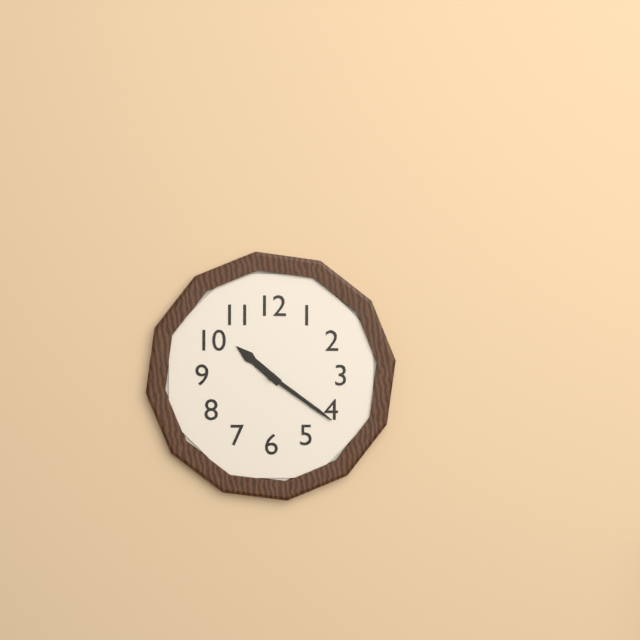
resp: 10h21
